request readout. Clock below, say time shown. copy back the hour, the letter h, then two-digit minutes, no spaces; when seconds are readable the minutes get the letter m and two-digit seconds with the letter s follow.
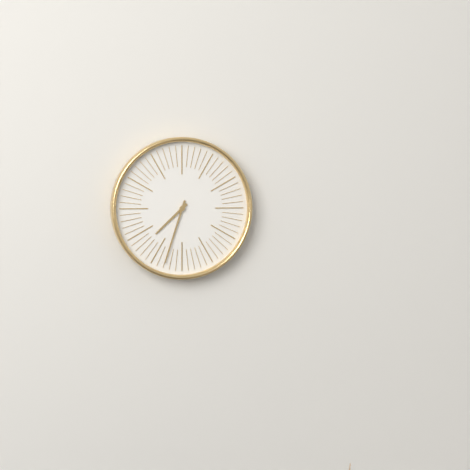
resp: 7h33
